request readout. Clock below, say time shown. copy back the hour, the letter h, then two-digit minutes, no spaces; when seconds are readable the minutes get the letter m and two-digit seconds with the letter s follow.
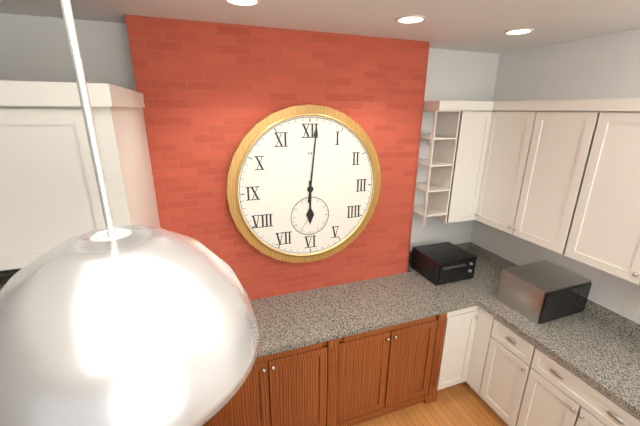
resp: 6h01
